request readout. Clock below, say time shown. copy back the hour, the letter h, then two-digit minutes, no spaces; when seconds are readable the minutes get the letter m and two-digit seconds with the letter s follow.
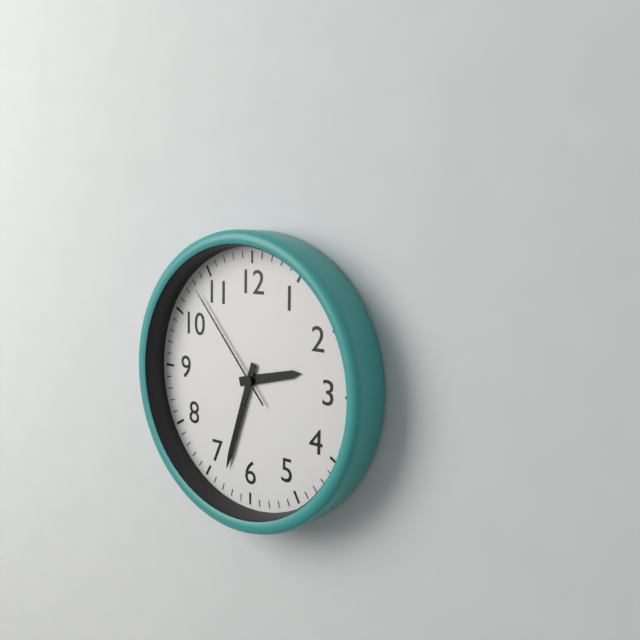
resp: 2h33m53s
